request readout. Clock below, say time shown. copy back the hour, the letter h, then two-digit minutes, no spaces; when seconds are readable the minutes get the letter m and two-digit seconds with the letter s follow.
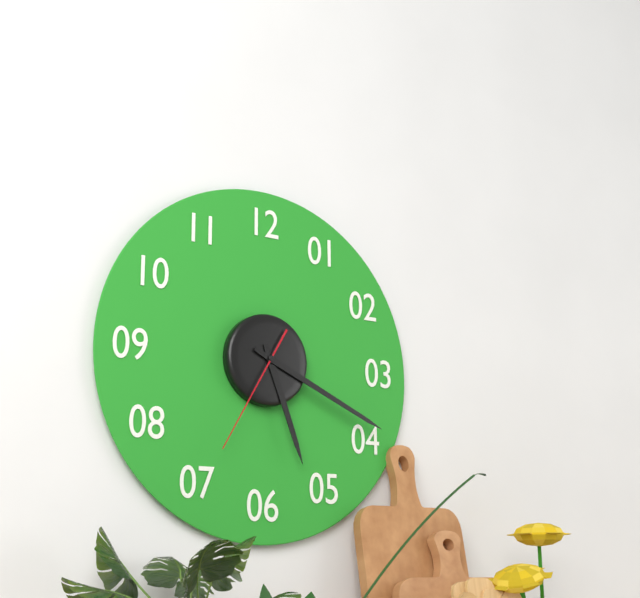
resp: 5h19m35s
